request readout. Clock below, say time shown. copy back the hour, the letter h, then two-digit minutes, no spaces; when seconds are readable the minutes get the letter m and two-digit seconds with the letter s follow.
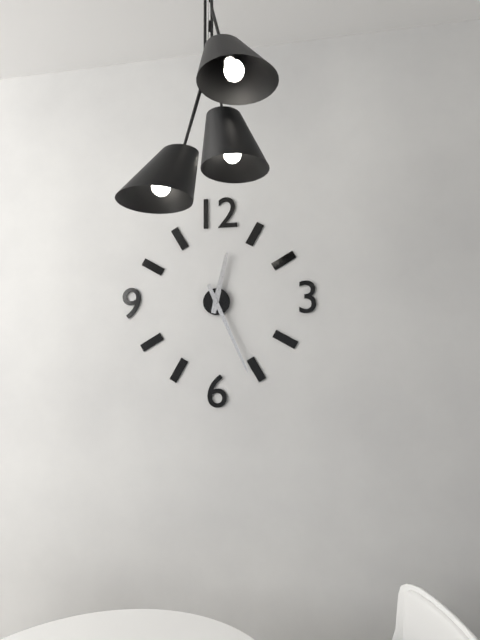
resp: 12h26
